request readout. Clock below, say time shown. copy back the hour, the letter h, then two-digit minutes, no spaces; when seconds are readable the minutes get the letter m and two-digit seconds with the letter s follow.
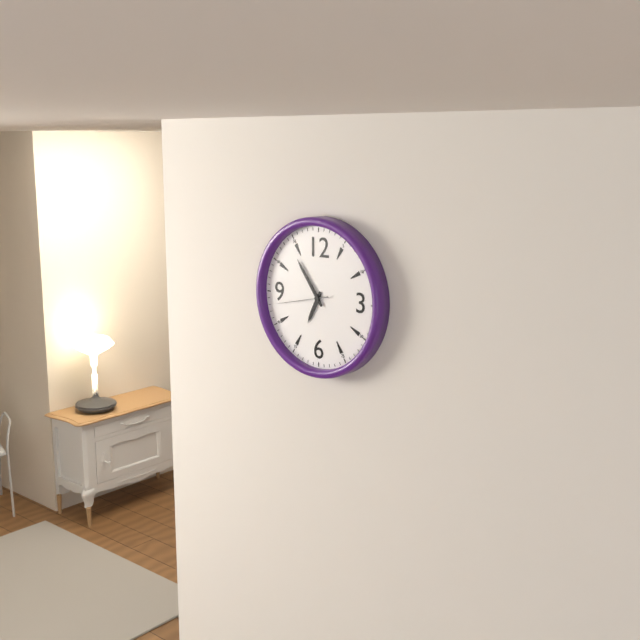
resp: 6h54m43s
